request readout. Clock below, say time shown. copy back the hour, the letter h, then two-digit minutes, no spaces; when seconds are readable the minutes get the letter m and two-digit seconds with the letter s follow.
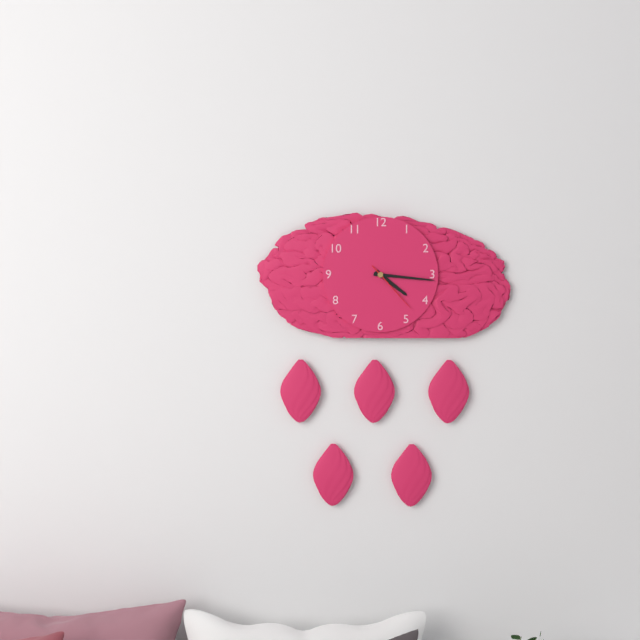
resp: 4h16m23s
